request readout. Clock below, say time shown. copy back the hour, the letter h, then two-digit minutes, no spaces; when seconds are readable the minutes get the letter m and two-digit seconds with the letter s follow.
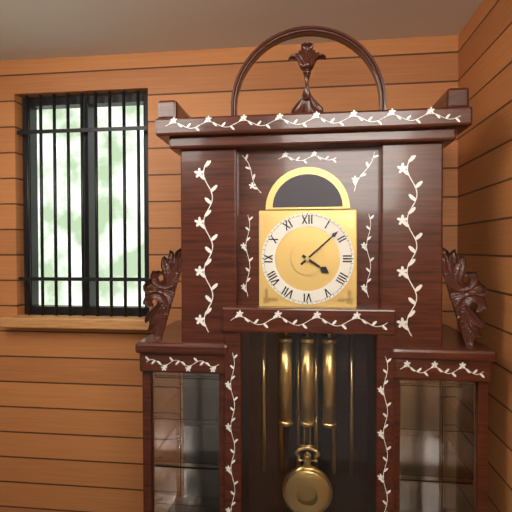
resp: 4h08
